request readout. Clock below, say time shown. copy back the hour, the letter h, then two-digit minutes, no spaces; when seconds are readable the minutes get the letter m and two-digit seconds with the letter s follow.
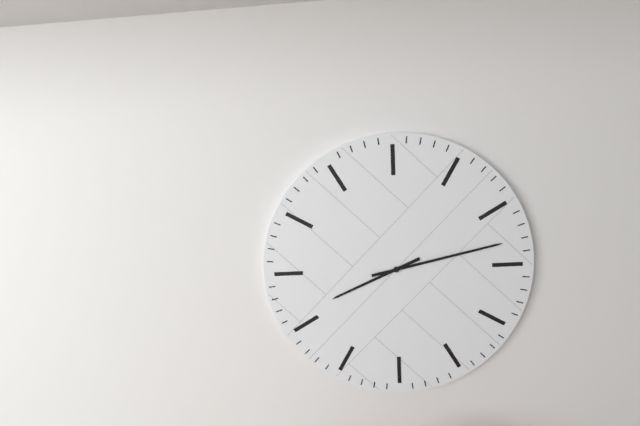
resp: 8h13
